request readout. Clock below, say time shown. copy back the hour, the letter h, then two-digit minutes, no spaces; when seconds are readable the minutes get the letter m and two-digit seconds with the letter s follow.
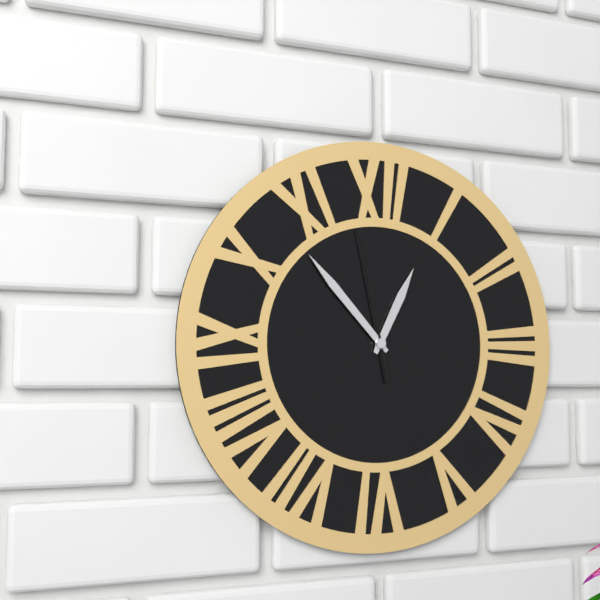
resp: 12h53m58s
